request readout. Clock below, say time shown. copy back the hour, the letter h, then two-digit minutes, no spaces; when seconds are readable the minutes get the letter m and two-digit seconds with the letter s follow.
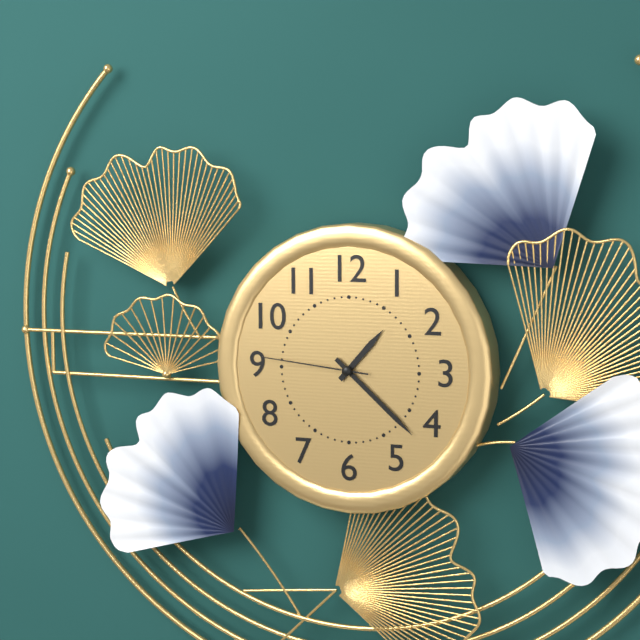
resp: 1h22m46s
